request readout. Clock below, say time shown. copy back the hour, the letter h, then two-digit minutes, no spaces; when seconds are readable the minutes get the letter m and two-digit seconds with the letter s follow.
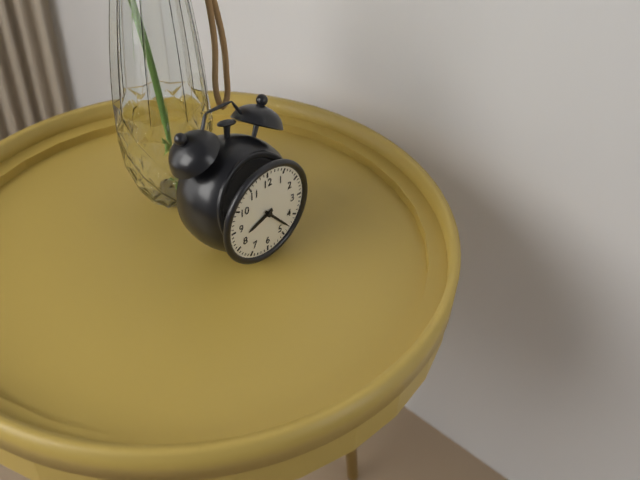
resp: 8h23
